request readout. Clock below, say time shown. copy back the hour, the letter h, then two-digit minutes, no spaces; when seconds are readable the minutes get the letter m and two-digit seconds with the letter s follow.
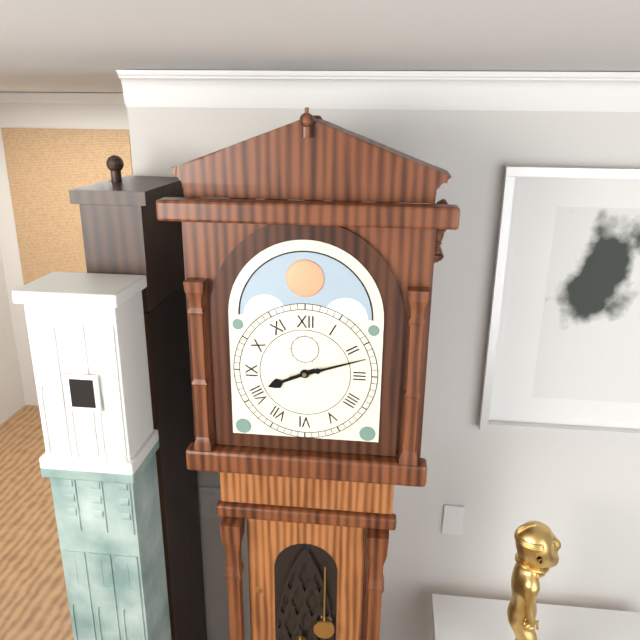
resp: 8h12
